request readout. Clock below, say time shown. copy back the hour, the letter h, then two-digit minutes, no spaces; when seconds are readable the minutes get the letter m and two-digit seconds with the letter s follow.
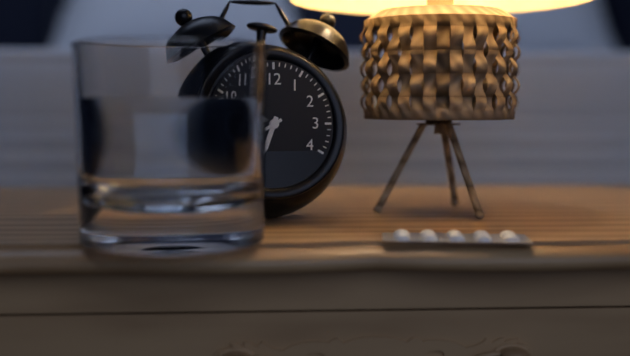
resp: 6h40
